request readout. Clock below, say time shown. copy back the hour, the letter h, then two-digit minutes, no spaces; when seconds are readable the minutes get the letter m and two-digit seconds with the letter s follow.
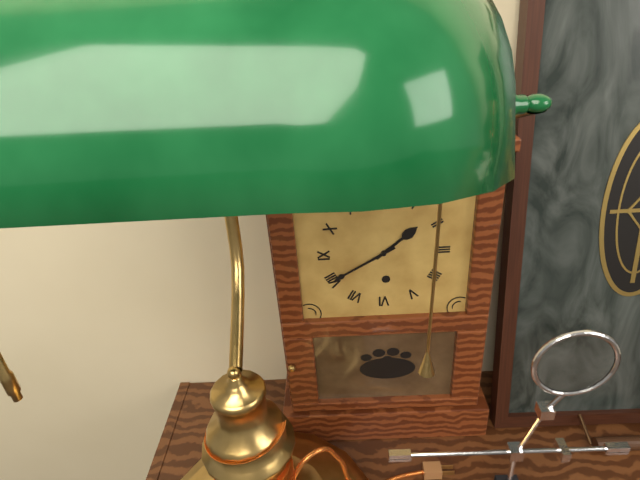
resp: 1h40
